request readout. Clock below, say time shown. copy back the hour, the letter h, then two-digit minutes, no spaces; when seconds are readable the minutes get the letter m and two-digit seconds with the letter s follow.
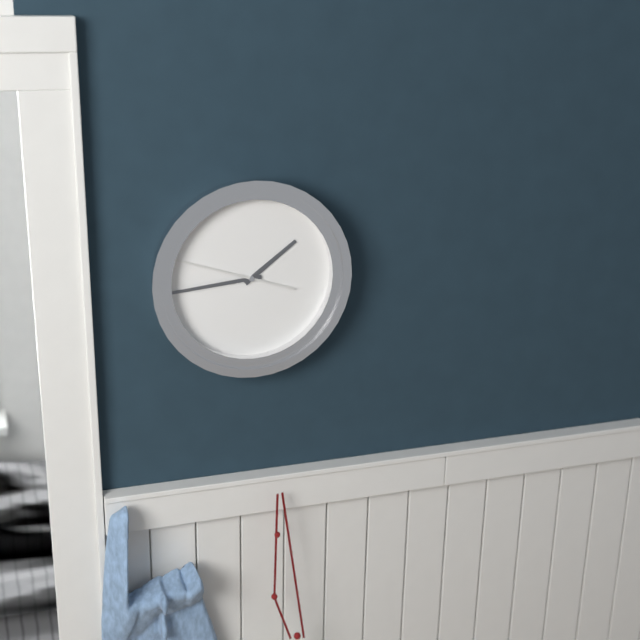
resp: 1h44m48s
